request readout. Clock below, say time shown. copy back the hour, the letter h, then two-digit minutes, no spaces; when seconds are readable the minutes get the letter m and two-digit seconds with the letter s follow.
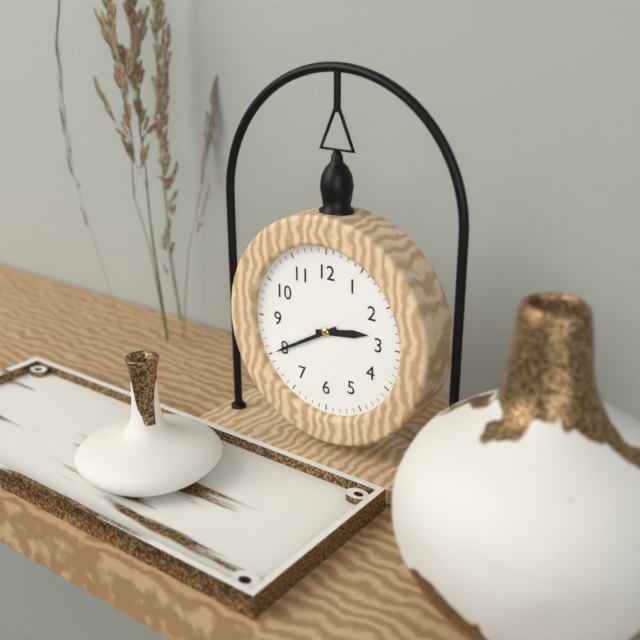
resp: 2h40
